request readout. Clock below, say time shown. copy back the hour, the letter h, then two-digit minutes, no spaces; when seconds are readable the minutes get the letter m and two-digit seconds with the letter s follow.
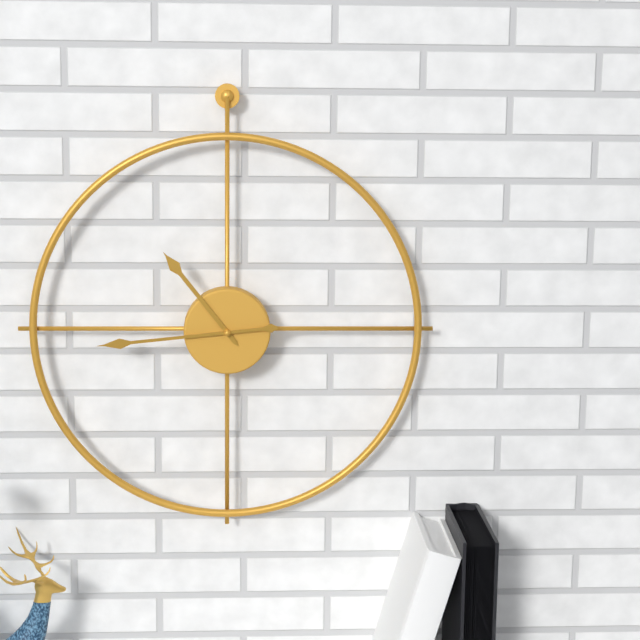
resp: 10h44
